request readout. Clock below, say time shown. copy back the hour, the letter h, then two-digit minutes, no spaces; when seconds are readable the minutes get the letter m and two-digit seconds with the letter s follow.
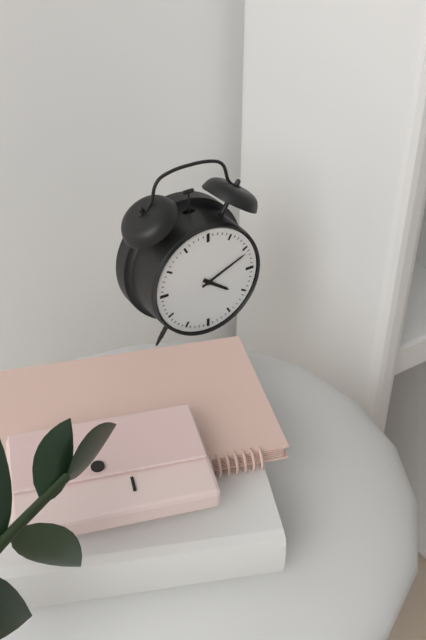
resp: 4h11
